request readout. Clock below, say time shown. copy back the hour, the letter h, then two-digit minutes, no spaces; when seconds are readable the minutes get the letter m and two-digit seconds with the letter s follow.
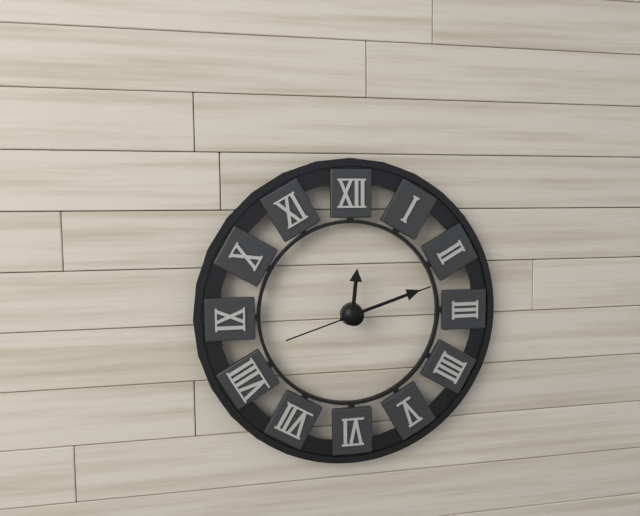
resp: 12h12m12s
